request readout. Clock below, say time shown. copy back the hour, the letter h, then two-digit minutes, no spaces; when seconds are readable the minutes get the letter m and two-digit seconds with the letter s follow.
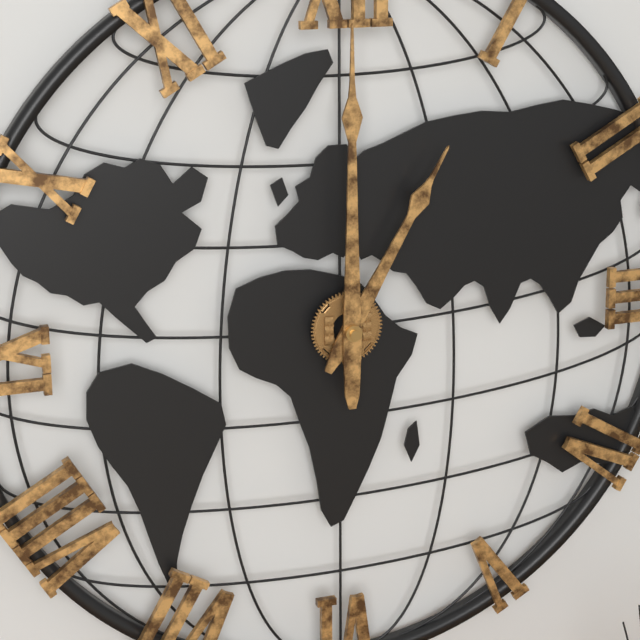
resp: 1h00
